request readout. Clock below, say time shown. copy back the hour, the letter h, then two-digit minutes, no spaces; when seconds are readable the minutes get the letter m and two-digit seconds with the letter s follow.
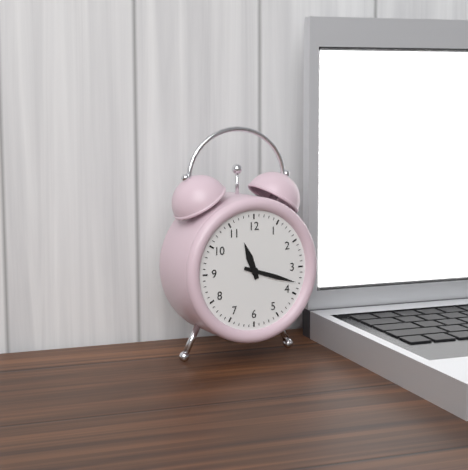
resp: 11h18
